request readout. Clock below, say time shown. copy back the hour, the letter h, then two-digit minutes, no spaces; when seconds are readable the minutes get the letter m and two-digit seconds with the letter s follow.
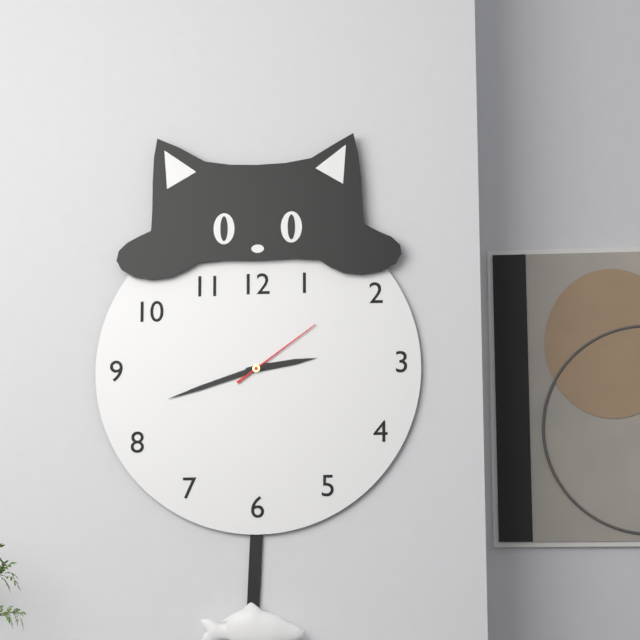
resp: 2h42m09s
